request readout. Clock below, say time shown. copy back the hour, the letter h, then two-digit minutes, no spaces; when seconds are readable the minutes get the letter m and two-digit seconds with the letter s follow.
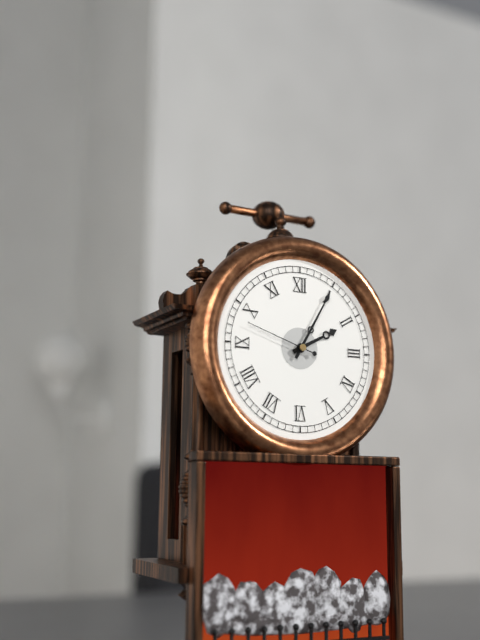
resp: 2h05m48s
